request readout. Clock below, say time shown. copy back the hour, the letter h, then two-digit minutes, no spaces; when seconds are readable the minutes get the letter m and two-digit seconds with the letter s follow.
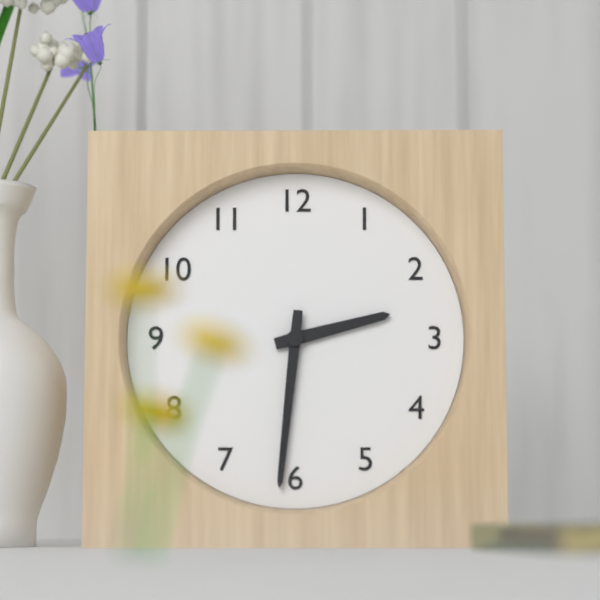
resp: 2h31
